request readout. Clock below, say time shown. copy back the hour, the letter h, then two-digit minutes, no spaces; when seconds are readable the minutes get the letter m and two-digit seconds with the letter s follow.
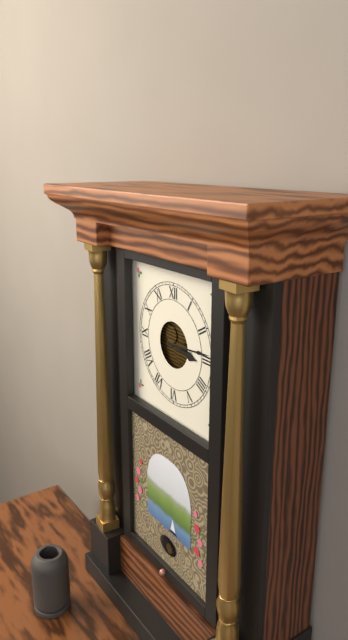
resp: 3h14
